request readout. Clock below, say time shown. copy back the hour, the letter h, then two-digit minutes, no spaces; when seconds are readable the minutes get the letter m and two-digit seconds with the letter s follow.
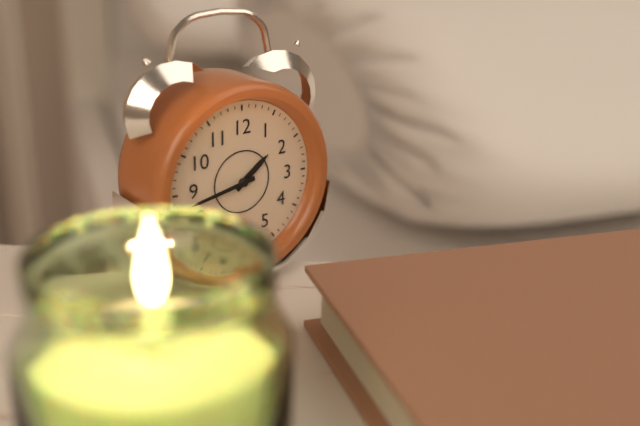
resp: 1h43
